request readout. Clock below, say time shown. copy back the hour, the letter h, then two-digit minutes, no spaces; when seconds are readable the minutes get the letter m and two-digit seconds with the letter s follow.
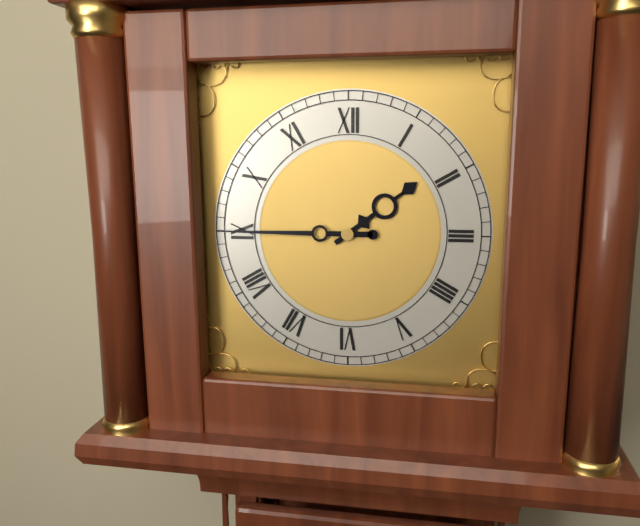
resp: 1h45
